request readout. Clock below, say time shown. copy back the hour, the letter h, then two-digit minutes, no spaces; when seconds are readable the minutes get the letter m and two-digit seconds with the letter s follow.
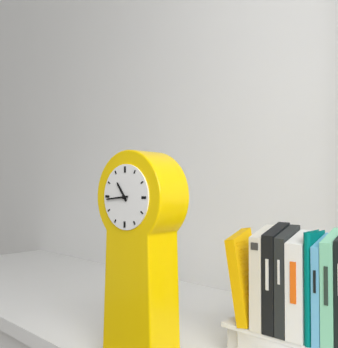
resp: 10h44
